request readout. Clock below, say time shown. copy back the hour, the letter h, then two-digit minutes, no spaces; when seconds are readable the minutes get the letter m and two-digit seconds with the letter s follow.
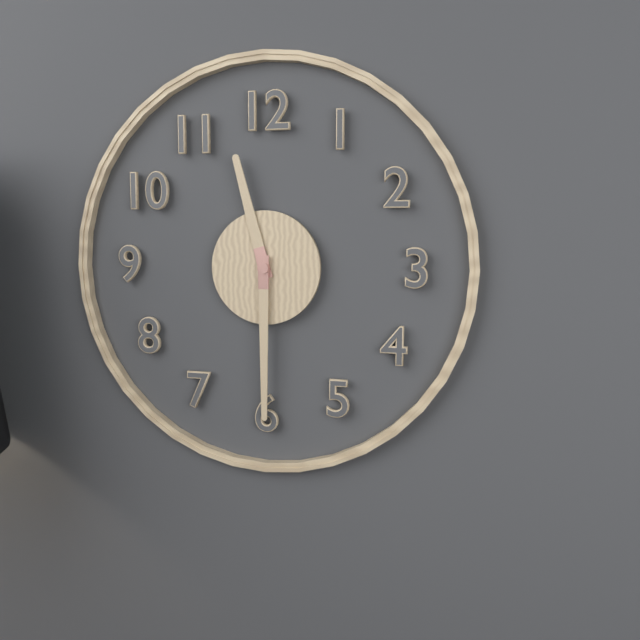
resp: 11h30
